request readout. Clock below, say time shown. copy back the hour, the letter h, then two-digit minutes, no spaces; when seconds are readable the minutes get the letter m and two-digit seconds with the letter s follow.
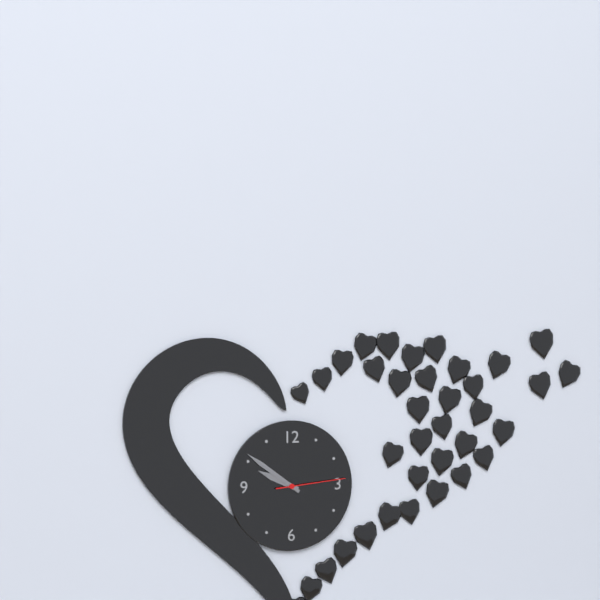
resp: 9h51m14s
